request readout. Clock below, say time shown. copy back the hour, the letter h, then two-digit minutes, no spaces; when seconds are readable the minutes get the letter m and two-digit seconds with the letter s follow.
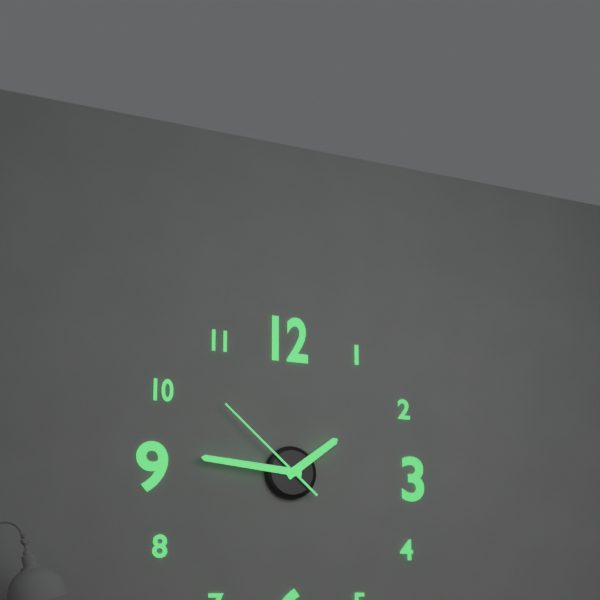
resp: 1h46m52s
